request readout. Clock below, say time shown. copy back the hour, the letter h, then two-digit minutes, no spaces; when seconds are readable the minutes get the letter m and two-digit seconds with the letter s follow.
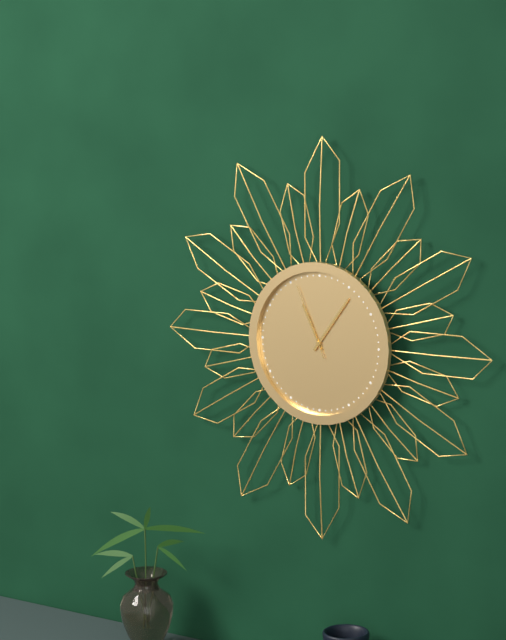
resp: 11h06m56s
